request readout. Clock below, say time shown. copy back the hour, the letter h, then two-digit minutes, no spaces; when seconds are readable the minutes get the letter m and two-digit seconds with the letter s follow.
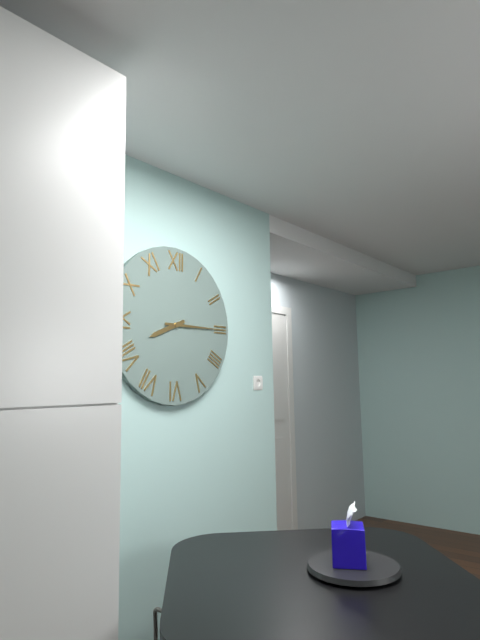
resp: 8h15
